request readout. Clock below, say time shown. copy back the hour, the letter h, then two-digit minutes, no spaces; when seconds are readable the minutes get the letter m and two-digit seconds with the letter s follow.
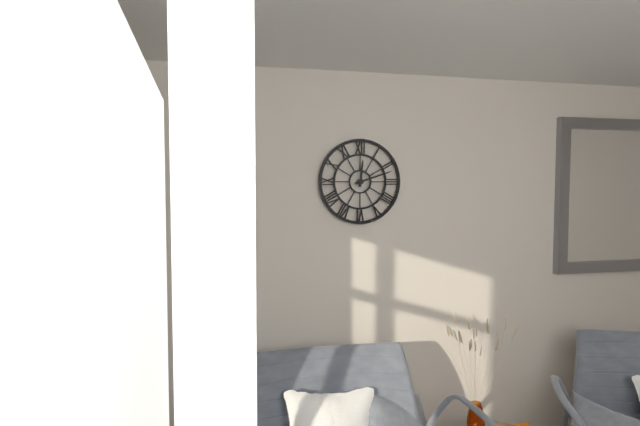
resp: 12h12
